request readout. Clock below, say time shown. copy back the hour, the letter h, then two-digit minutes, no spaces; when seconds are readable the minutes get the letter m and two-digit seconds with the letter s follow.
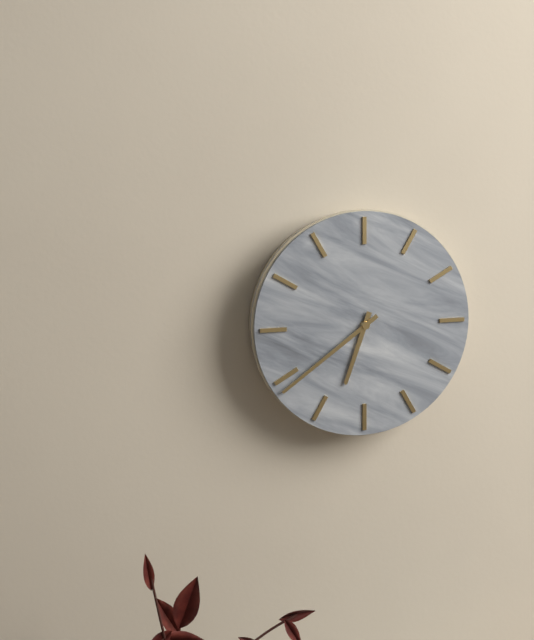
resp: 6h39
